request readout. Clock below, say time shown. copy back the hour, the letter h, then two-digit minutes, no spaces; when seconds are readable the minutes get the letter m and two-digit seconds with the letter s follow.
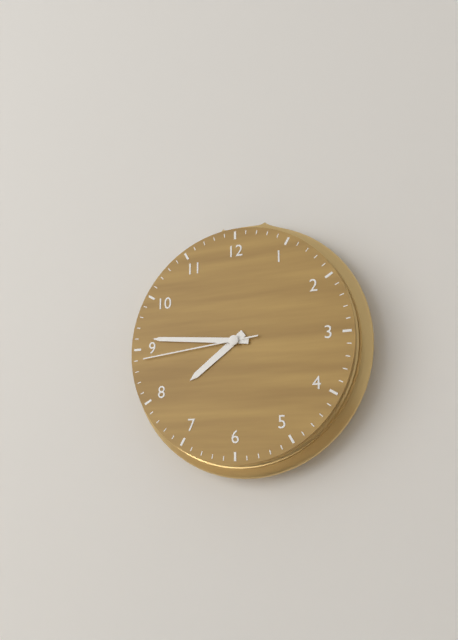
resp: 7h46m44s
